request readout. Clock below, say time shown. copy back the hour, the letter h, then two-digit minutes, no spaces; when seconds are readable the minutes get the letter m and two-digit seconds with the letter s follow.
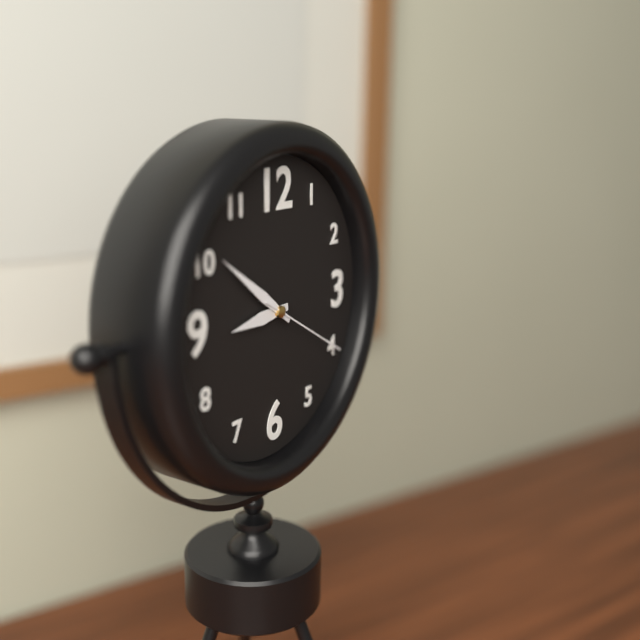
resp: 8h51m20s
